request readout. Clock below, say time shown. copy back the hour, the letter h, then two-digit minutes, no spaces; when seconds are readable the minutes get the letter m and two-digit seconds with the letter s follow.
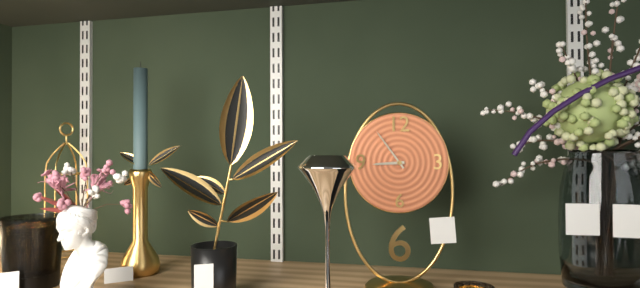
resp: 8h54
